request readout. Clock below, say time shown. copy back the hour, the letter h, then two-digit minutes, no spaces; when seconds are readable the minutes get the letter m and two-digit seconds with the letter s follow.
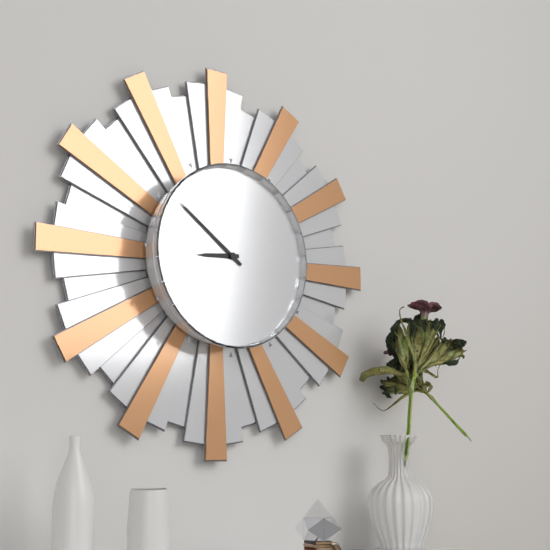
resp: 8h51
